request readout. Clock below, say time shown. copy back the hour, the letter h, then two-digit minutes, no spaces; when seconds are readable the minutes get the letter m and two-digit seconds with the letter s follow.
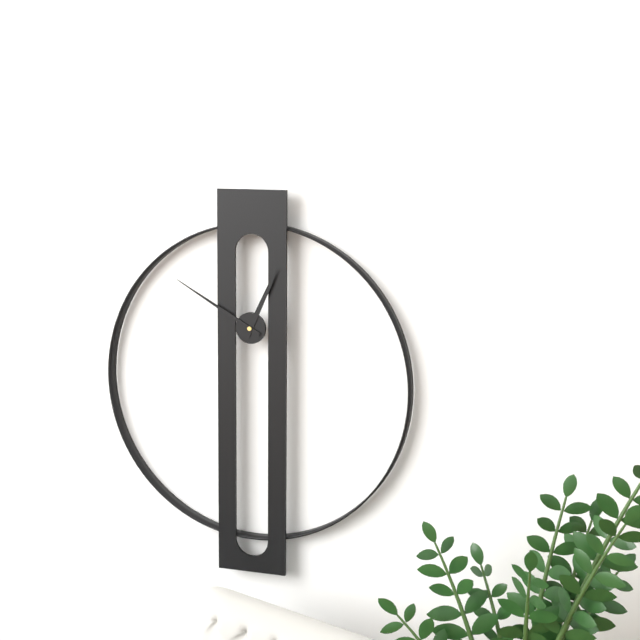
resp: 12h50
